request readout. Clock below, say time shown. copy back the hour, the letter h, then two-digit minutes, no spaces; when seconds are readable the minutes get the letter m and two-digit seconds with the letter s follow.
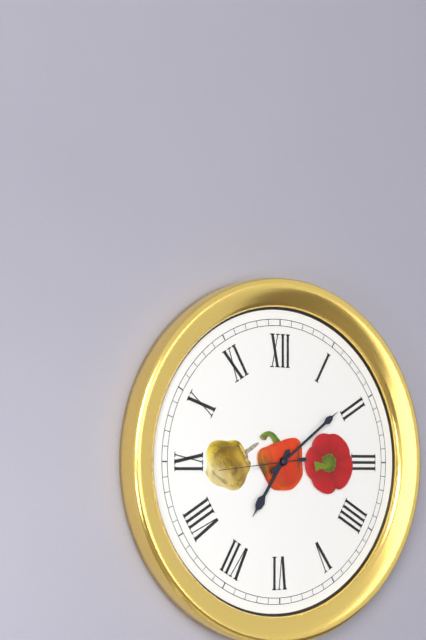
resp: 7h09m44s
